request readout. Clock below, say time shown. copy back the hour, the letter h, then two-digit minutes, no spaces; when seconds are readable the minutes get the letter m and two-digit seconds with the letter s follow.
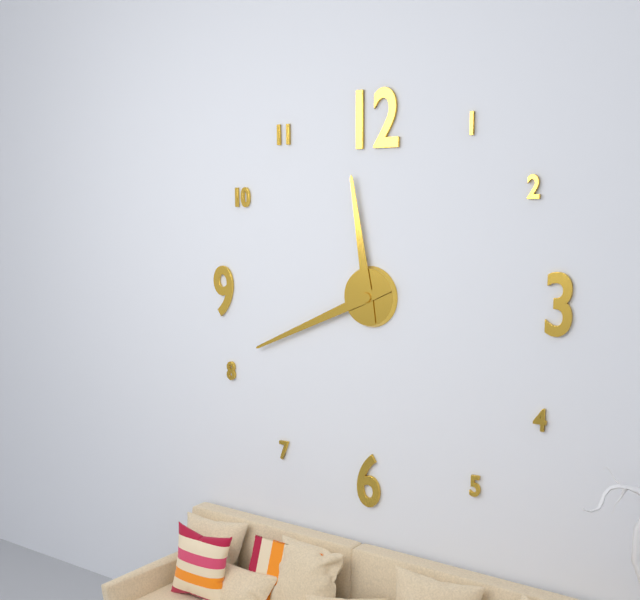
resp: 11h41
